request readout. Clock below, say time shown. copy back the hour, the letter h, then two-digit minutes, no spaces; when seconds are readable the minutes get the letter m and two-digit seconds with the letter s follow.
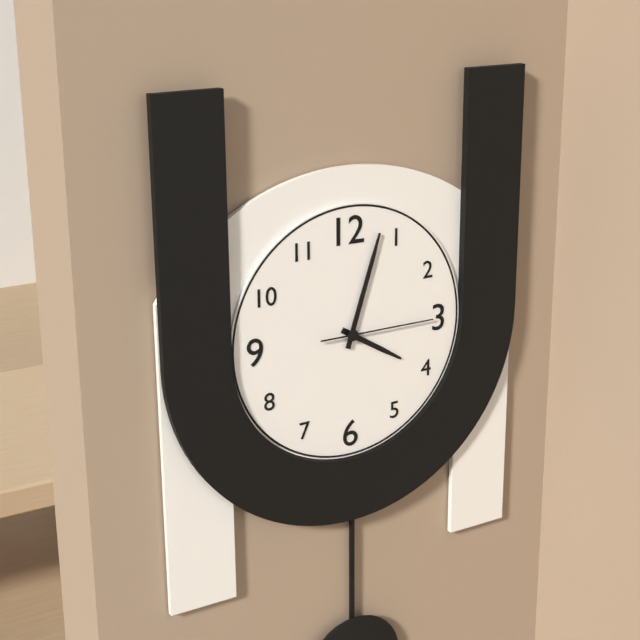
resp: 4h03m15s
